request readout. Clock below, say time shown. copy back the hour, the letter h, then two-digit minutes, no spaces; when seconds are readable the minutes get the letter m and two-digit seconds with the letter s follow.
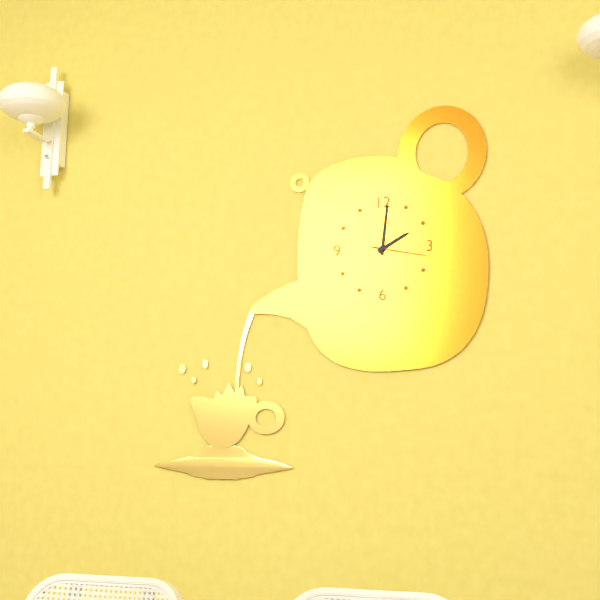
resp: 2h01m17s
